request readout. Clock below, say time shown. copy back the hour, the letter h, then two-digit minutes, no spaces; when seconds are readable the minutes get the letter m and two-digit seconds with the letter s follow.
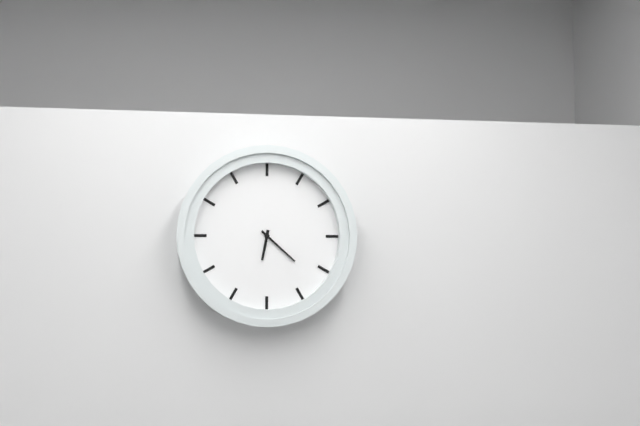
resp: 6h22
